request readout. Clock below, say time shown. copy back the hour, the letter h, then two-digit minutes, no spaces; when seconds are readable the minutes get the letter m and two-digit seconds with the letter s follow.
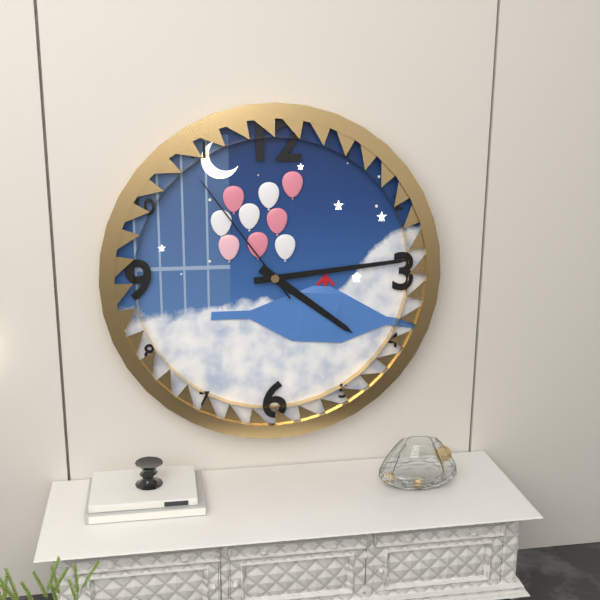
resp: 4h14m54s
